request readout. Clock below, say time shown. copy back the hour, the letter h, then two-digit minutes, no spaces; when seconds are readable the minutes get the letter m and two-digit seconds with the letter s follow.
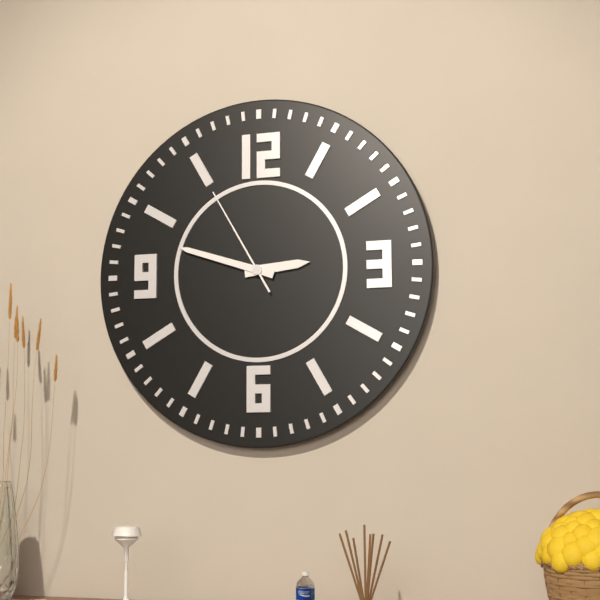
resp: 2h48m55s
